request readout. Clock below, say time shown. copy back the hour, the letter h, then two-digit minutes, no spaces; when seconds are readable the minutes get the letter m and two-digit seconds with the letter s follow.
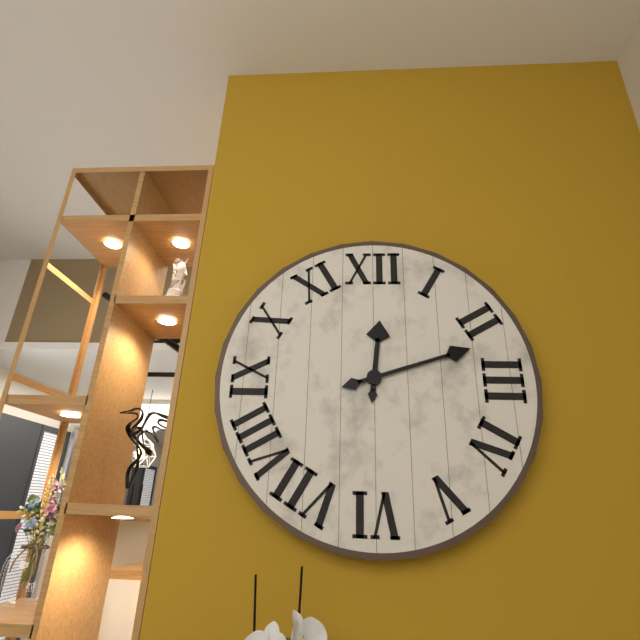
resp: 12h12
